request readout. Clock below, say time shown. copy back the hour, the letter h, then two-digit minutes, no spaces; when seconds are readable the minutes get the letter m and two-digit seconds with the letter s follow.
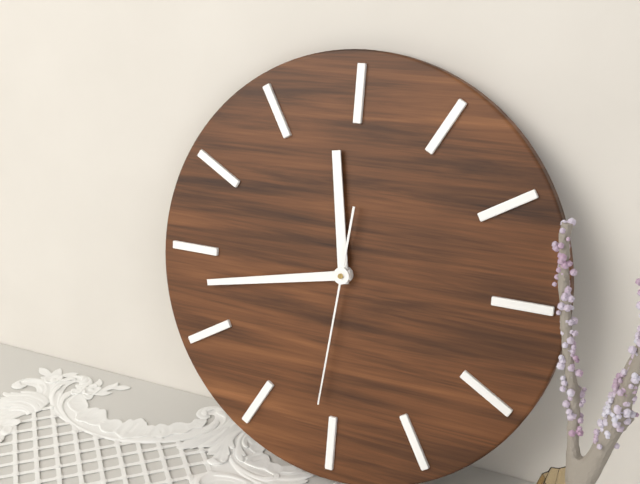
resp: 11h43m31s
